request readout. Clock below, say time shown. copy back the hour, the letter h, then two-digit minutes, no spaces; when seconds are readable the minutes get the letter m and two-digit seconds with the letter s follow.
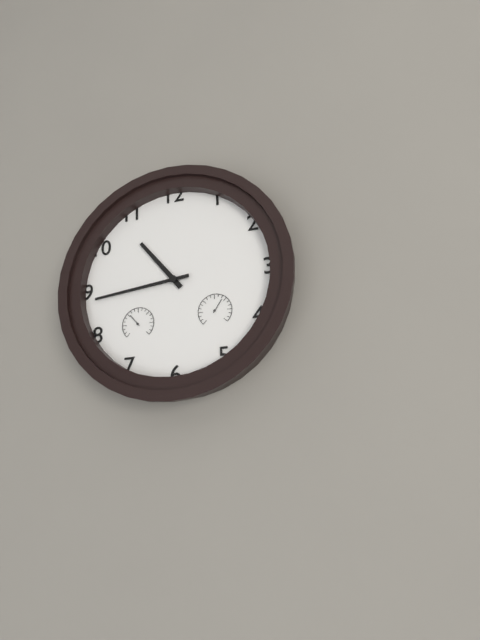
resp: 10h44
